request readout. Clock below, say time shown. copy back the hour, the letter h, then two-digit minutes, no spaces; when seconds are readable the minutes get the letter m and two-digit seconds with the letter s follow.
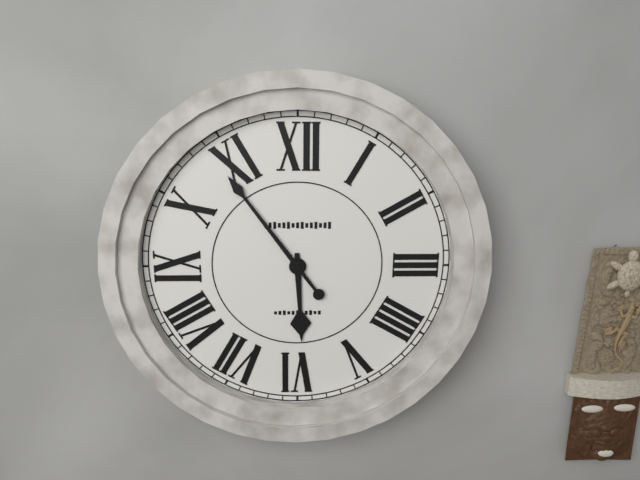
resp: 5h54
